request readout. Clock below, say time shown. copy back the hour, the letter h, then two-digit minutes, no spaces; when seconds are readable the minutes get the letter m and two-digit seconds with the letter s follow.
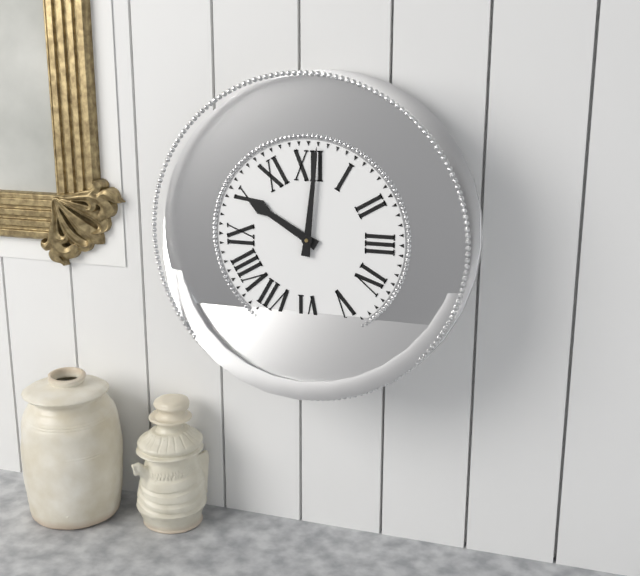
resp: 10h01
